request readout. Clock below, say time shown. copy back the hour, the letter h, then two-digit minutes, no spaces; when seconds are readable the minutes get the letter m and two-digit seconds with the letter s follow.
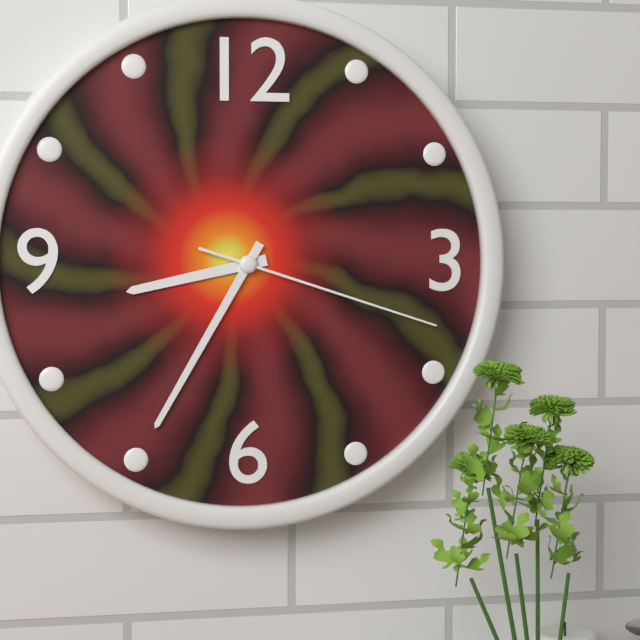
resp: 8h35m18s
